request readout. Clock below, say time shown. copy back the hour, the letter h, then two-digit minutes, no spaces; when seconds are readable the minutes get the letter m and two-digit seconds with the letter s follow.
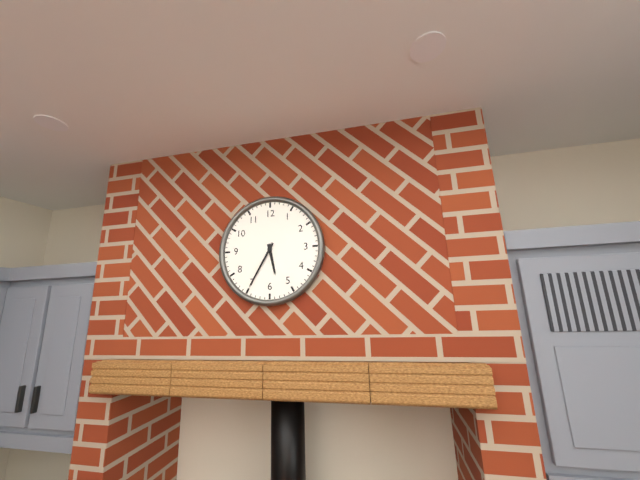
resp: 5h35
